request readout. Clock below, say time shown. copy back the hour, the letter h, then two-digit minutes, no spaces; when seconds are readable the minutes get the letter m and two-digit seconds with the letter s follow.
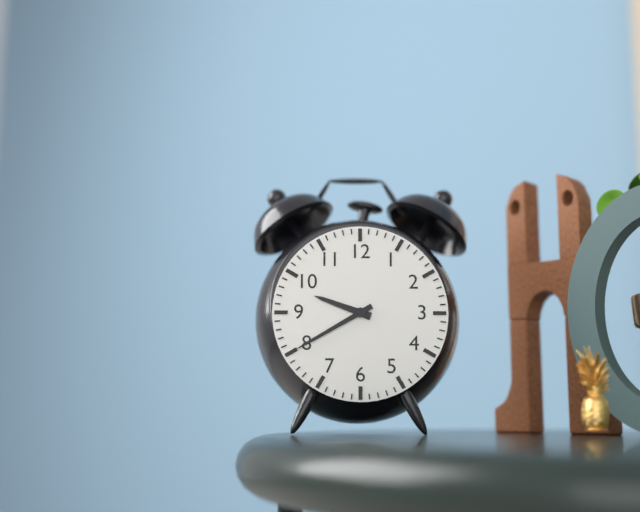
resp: 9h40
